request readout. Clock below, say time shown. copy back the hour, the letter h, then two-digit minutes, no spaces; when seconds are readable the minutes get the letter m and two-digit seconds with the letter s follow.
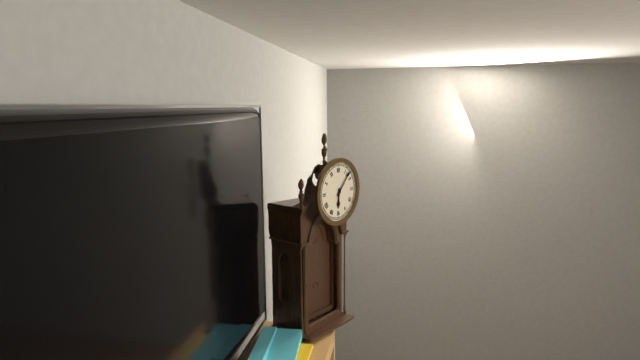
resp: 6h07
